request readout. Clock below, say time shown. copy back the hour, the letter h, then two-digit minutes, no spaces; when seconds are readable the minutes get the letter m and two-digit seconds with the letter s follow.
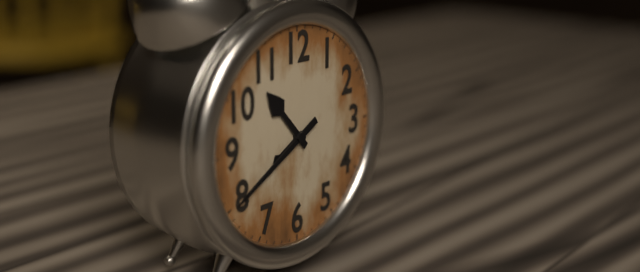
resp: 10h40
